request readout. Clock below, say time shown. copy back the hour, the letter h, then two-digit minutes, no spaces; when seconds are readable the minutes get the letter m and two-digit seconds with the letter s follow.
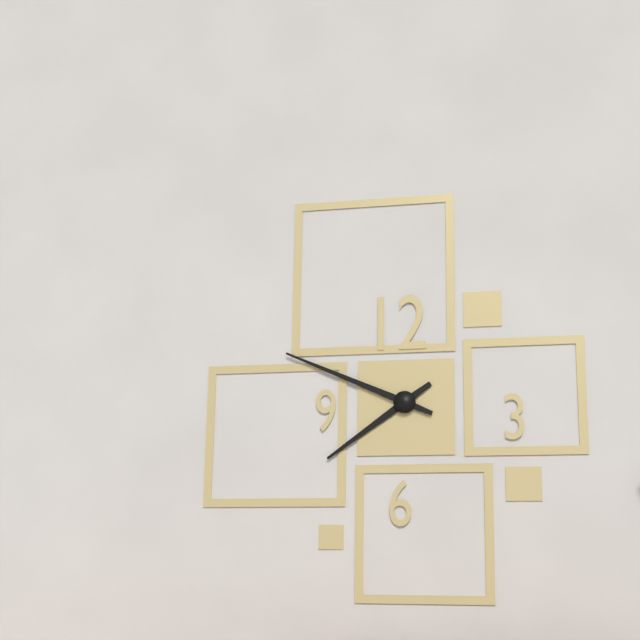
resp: 7h49
